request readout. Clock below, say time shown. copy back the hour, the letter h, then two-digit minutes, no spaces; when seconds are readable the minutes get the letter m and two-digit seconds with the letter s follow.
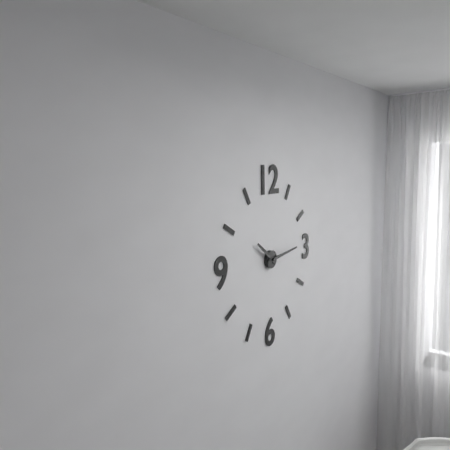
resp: 10h14
